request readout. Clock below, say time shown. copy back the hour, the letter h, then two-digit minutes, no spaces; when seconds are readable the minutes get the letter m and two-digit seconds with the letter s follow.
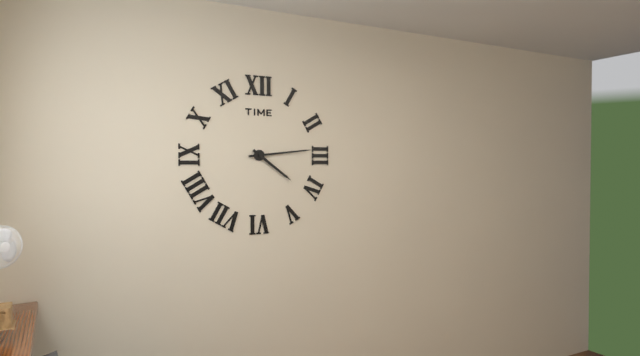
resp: 4h14
